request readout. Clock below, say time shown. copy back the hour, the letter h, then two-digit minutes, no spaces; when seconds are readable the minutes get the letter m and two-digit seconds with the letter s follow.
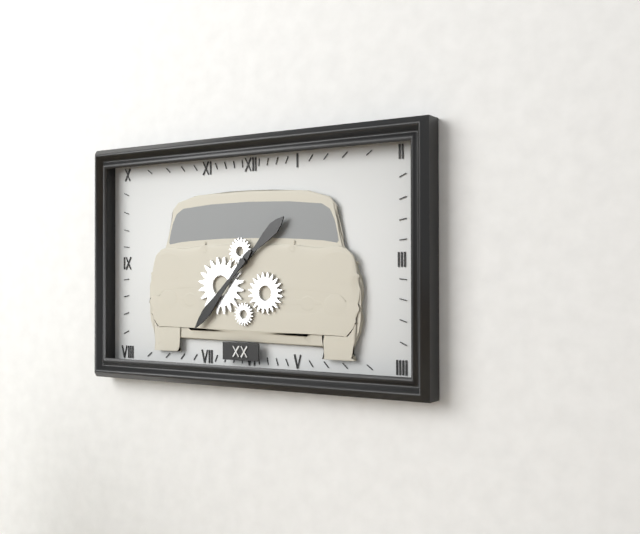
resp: 1h37
